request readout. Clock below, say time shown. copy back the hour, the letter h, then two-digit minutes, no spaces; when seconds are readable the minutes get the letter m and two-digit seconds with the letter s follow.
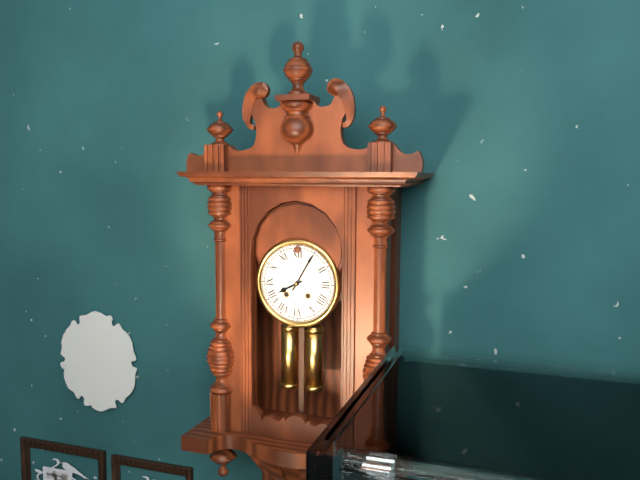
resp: 8h05
